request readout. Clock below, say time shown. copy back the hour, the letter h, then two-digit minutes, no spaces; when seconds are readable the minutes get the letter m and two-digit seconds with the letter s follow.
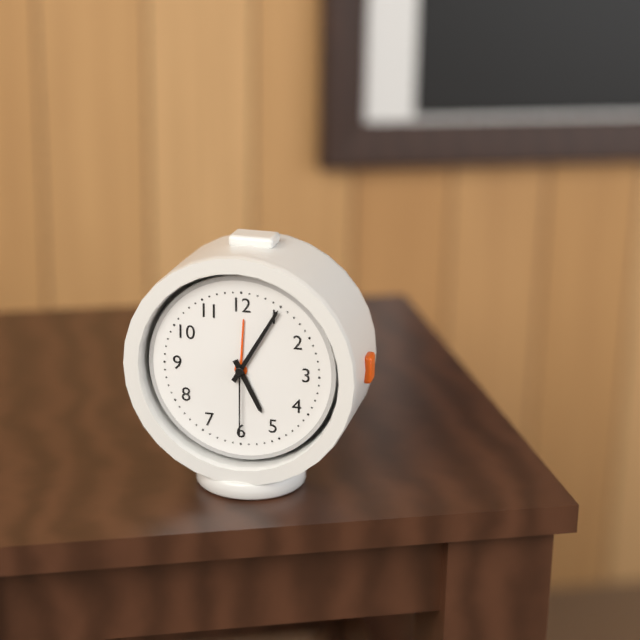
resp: 5h05m30s
